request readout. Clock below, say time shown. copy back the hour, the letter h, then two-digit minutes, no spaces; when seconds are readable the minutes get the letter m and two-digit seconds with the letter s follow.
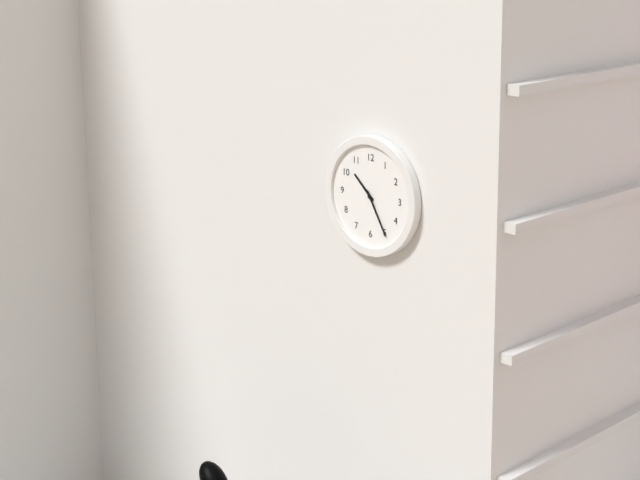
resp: 10h25
